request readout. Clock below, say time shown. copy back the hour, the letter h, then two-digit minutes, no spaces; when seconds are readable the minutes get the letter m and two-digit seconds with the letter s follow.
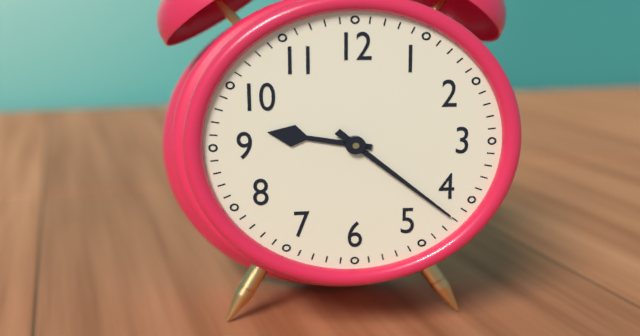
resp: 9h22
